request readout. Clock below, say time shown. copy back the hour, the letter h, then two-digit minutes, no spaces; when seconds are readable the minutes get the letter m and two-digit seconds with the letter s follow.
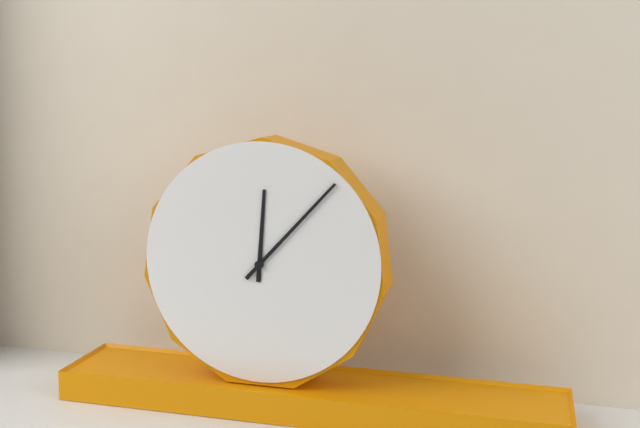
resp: 12h07
